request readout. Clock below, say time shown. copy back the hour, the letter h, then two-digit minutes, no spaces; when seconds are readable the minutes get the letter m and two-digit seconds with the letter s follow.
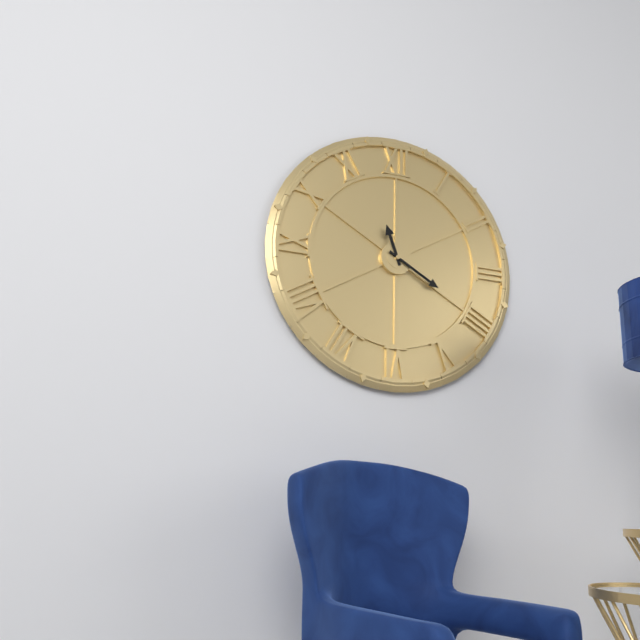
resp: 11h20
